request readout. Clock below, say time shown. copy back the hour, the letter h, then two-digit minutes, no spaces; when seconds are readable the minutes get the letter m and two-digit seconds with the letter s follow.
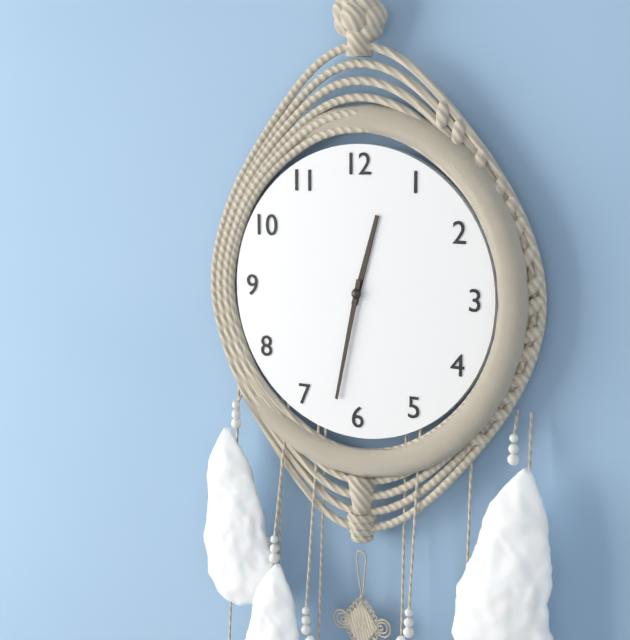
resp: 12h32
